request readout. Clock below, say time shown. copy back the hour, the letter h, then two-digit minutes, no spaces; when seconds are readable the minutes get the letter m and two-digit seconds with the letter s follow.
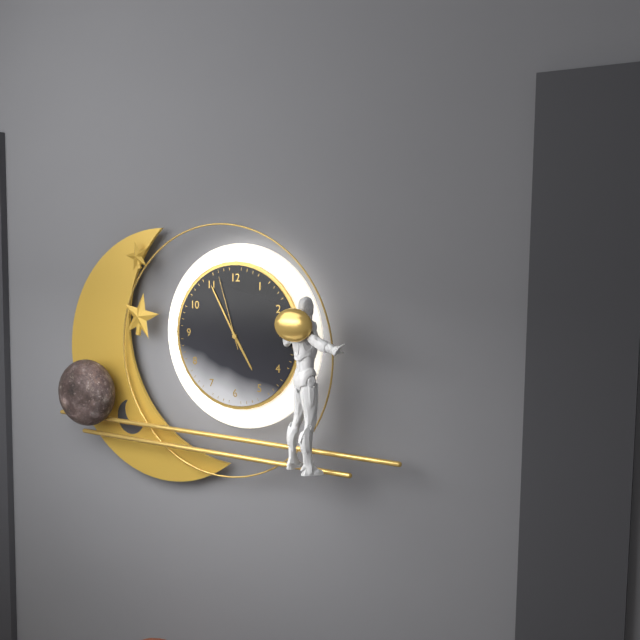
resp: 4h55m57s
